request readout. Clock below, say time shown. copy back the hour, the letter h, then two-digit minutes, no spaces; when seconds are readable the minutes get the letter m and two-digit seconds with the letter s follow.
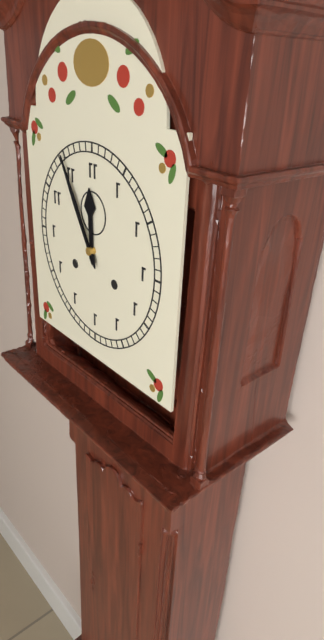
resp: 11h55
